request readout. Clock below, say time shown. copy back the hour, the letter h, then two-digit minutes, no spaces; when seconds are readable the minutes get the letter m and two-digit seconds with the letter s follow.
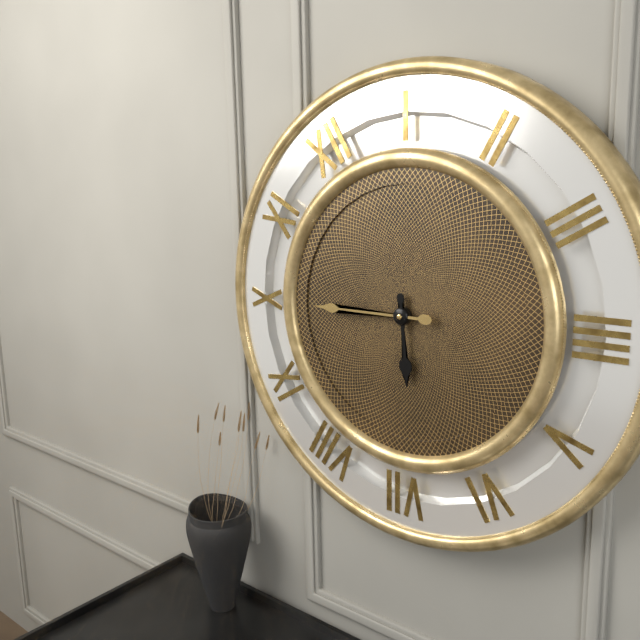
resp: 6h50
